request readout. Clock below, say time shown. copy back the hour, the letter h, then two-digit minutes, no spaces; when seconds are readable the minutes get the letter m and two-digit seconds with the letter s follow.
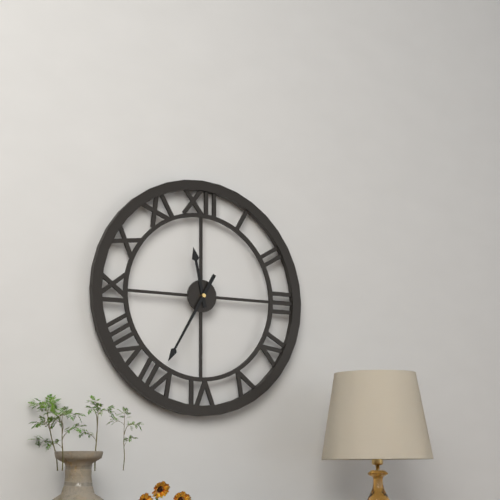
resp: 11h35
